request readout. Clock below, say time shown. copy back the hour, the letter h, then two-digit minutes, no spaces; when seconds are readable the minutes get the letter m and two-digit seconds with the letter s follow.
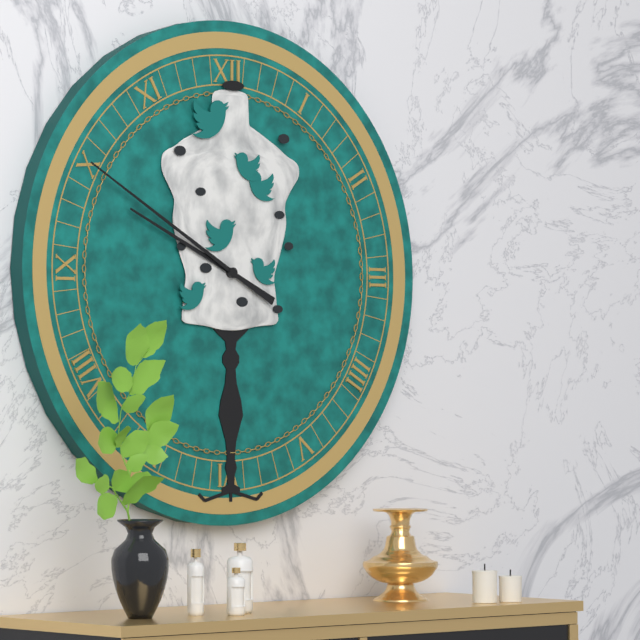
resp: 9h50
